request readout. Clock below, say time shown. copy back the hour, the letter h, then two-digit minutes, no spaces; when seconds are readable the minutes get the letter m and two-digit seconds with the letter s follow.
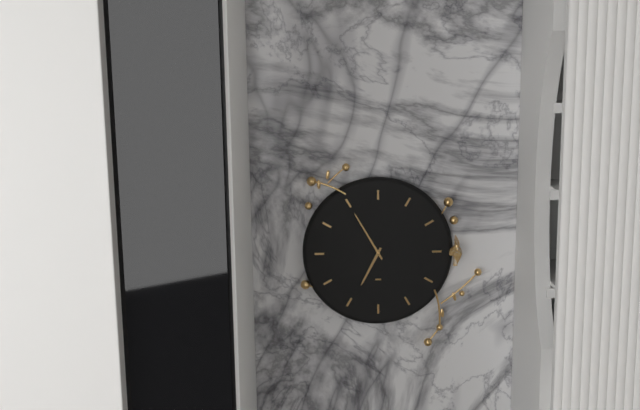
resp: 6h55
